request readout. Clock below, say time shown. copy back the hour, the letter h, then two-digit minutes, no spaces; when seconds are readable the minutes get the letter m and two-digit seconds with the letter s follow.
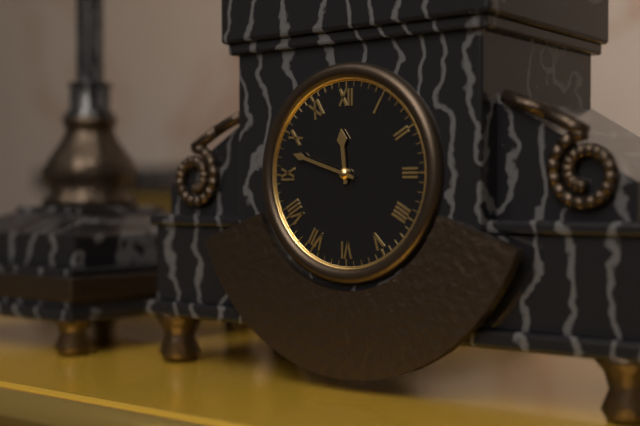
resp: 11h48
